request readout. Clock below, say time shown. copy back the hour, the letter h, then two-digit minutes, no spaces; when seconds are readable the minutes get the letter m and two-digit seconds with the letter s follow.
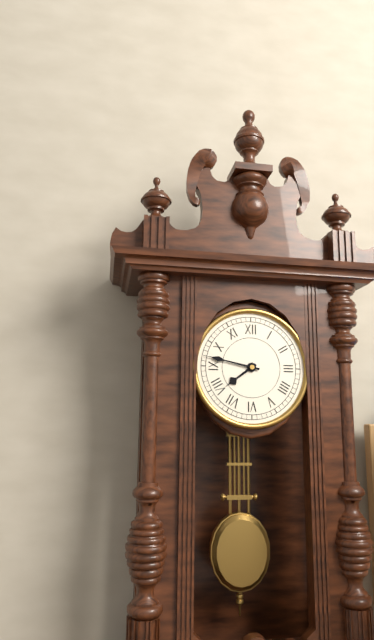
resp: 7h47
